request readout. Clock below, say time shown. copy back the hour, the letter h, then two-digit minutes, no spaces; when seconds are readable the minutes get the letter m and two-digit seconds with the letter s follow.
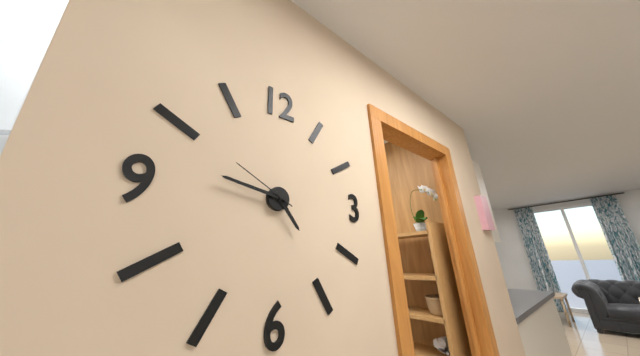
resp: 4h47m50s
